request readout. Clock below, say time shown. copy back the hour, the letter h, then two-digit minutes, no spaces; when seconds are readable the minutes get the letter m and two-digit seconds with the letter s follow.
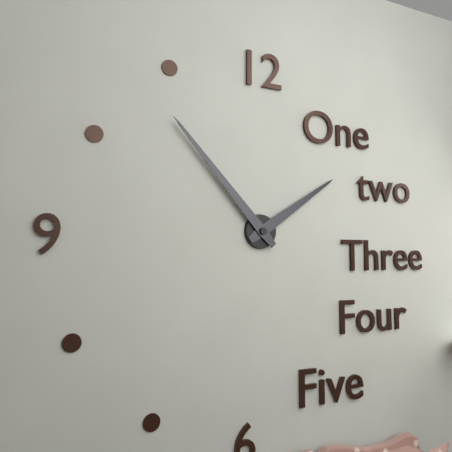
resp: 1h53
